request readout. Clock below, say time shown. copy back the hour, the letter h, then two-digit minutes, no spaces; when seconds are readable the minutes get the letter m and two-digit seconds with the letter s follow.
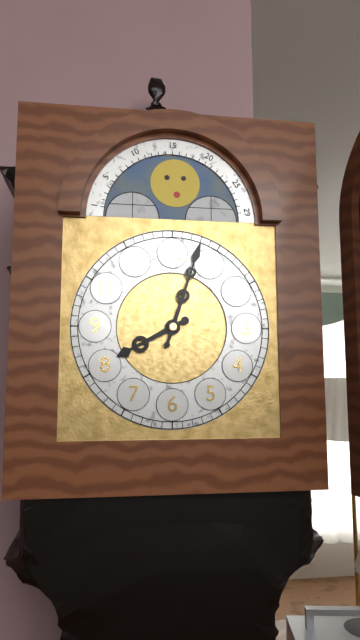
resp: 8h03
